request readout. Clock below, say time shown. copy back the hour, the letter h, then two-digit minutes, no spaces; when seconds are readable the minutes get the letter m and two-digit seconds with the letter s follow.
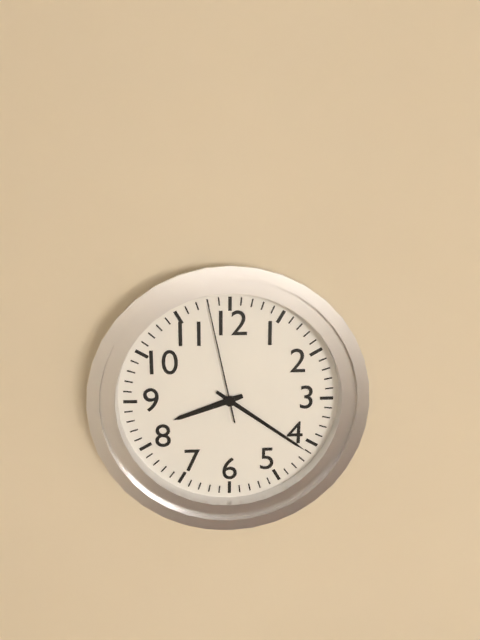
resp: 8h21m58s
